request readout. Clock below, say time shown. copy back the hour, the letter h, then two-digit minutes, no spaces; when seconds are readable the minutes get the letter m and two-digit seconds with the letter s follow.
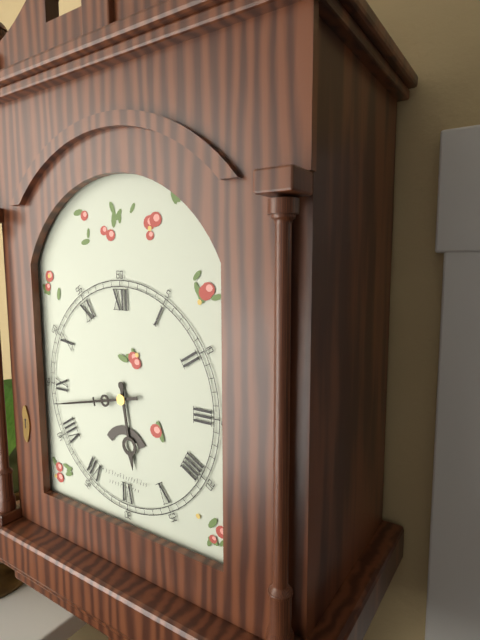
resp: 5h43
